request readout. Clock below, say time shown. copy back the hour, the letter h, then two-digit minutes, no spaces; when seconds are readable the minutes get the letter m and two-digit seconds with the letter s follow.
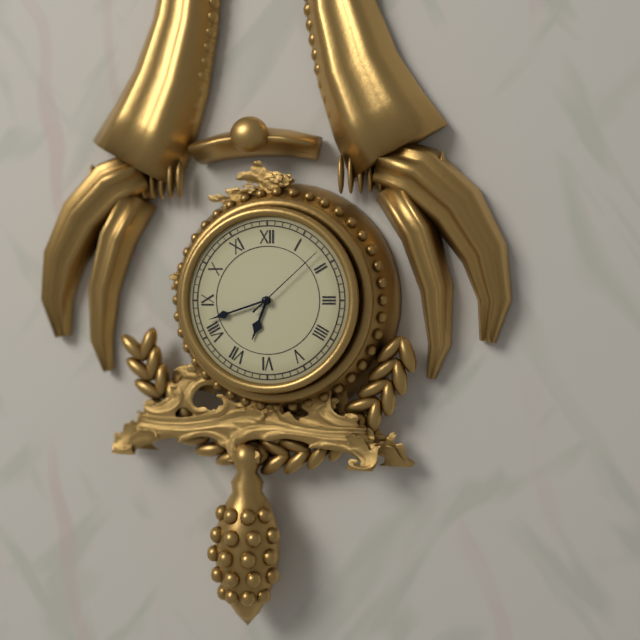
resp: 6h42m08s
